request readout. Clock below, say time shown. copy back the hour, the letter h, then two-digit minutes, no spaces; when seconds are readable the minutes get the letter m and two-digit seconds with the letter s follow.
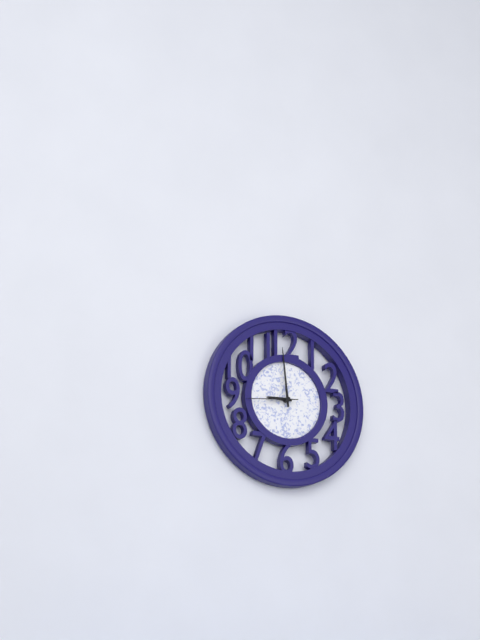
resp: 8h59
